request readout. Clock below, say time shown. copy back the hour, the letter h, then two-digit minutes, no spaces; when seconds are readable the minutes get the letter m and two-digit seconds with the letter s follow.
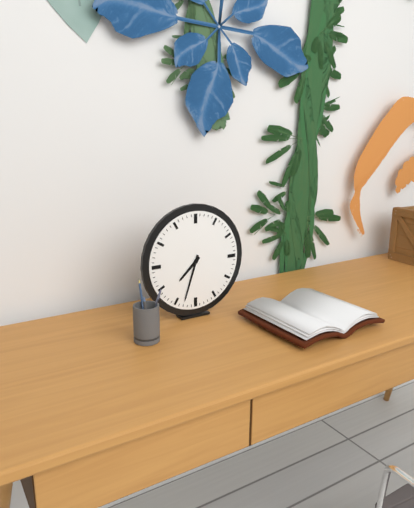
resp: 7h33
